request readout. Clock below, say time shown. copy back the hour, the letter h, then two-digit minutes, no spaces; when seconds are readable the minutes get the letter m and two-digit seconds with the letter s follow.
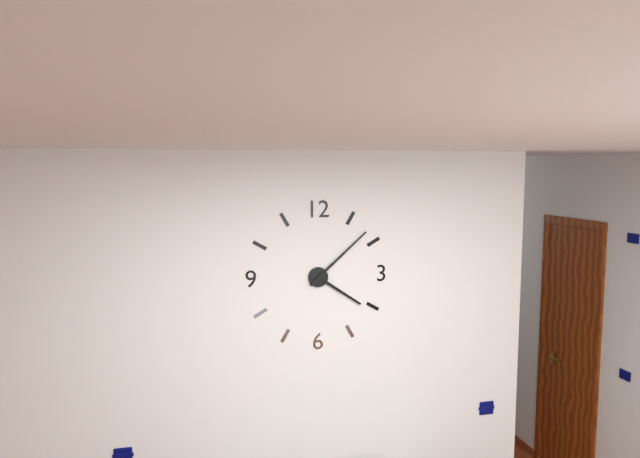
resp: 4h08
